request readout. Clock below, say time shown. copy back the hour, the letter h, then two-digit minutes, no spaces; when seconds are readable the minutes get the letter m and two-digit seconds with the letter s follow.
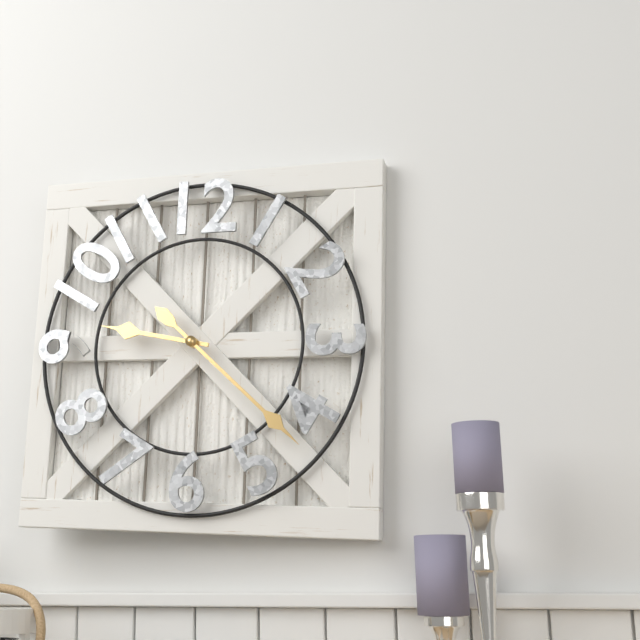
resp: 9h22
